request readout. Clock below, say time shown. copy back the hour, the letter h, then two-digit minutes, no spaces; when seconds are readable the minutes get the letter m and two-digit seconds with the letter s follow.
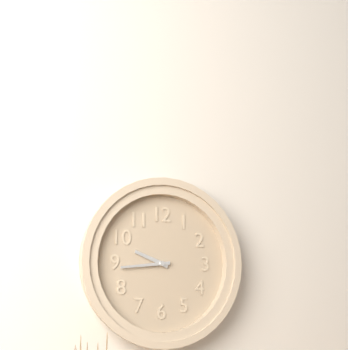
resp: 9h44
